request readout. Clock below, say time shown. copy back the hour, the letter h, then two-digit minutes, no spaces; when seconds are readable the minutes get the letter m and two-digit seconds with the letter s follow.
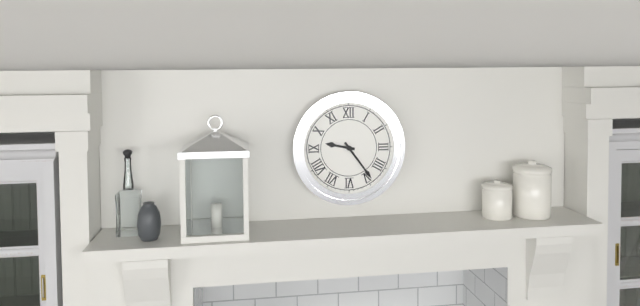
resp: 9h24
